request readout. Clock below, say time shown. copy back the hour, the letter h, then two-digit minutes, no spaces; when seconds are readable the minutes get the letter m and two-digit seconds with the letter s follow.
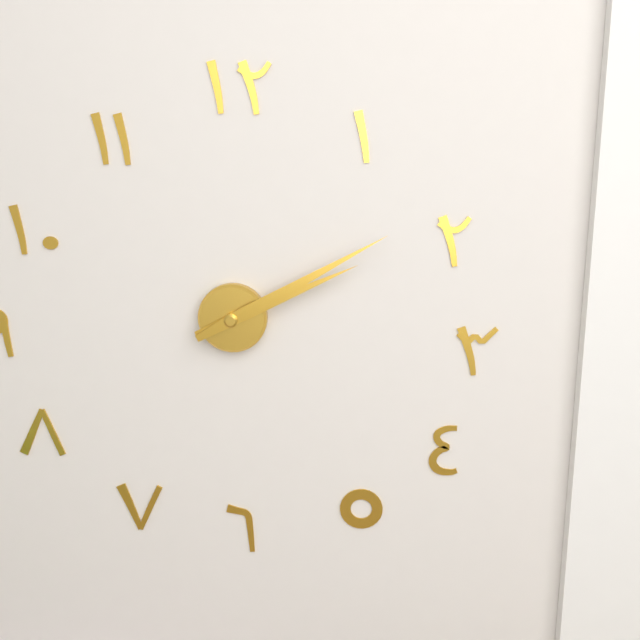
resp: 2h10
